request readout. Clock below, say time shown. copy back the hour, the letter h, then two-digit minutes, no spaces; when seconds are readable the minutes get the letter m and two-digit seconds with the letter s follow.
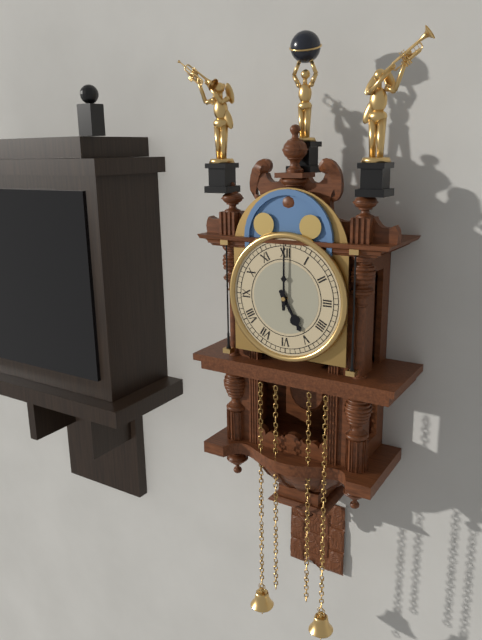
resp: 5h00
